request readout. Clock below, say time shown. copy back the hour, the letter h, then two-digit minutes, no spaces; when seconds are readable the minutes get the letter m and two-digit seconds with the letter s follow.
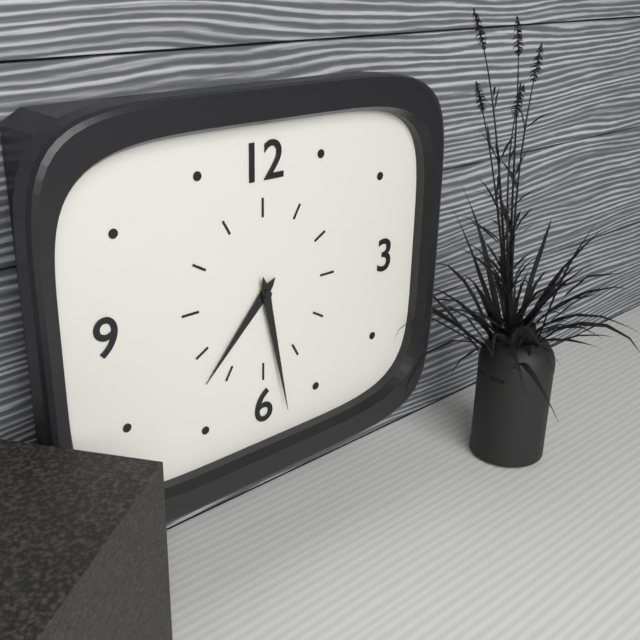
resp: 7h28
